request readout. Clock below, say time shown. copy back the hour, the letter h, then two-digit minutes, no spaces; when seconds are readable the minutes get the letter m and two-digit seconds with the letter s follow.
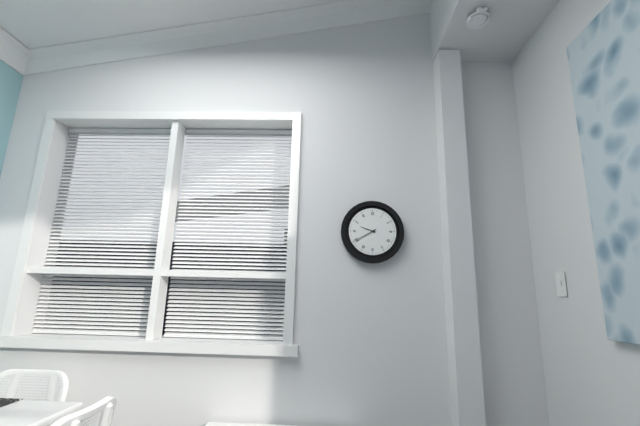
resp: 9h40
